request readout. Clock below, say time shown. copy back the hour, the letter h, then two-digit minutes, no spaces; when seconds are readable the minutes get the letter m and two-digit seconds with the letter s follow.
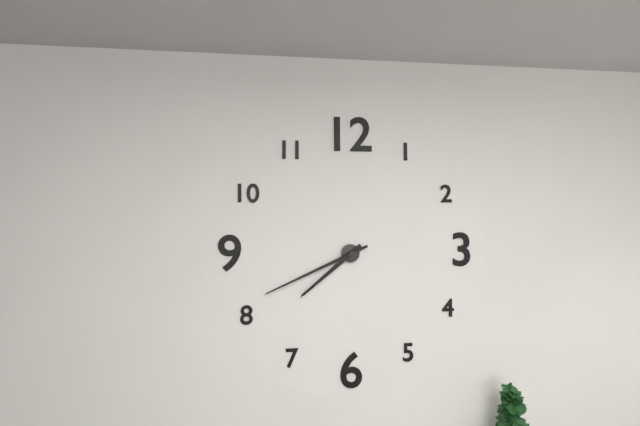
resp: 7h41
